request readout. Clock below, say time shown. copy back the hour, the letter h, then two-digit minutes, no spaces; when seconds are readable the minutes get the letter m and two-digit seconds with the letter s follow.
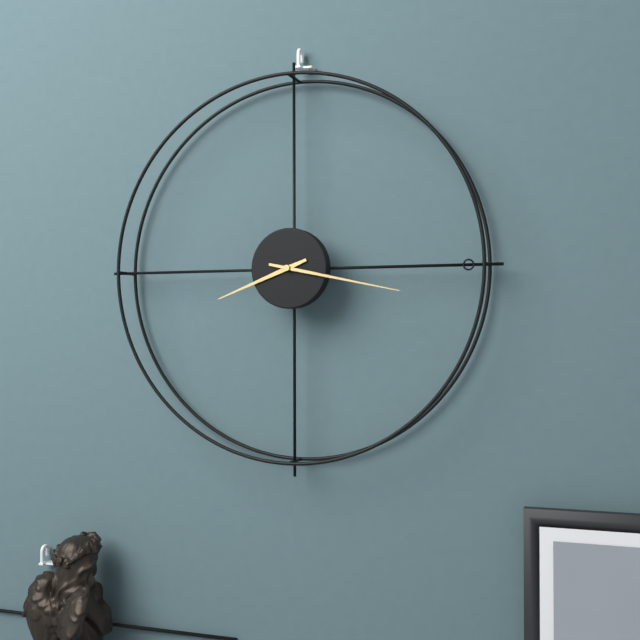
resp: 8h17
